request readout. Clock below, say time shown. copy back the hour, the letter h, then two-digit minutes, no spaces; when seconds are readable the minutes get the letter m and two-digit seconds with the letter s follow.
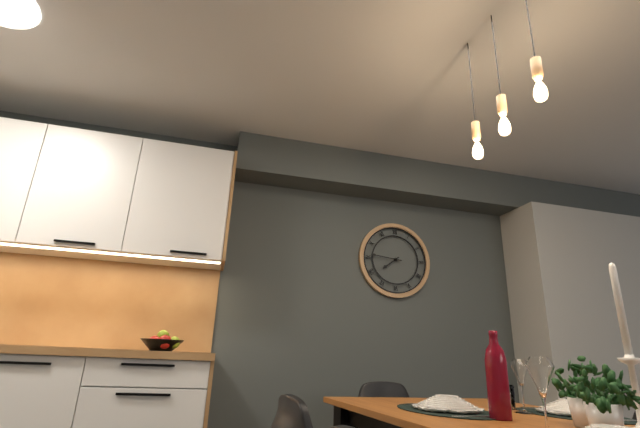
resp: 7h46
